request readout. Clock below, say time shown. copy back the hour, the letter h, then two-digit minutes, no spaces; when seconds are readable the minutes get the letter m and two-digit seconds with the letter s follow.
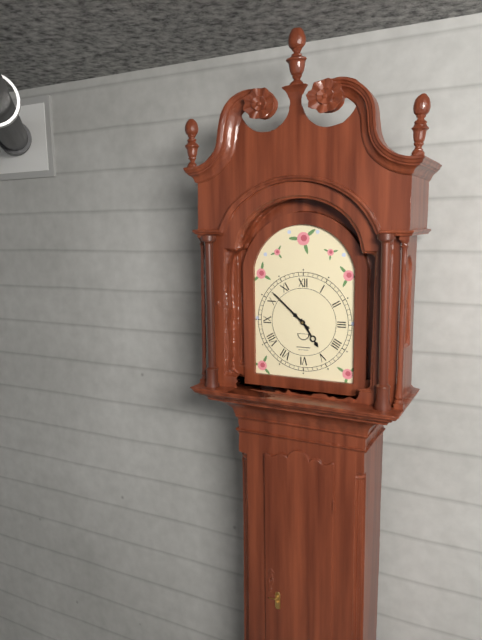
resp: 4h52
